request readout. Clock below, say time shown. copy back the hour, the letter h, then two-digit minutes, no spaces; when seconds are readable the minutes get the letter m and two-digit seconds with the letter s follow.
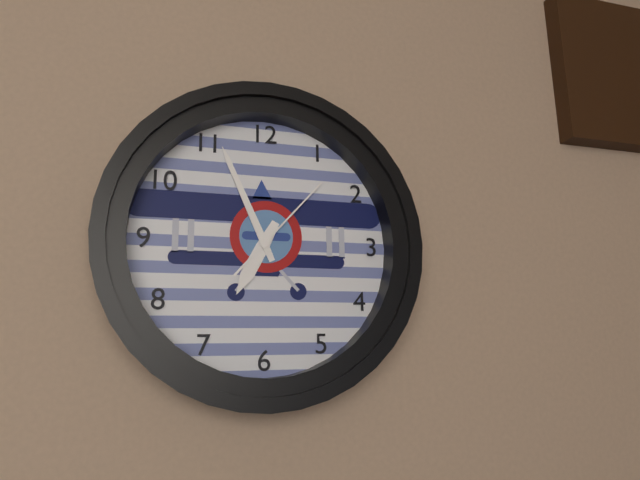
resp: 6h56m07s
